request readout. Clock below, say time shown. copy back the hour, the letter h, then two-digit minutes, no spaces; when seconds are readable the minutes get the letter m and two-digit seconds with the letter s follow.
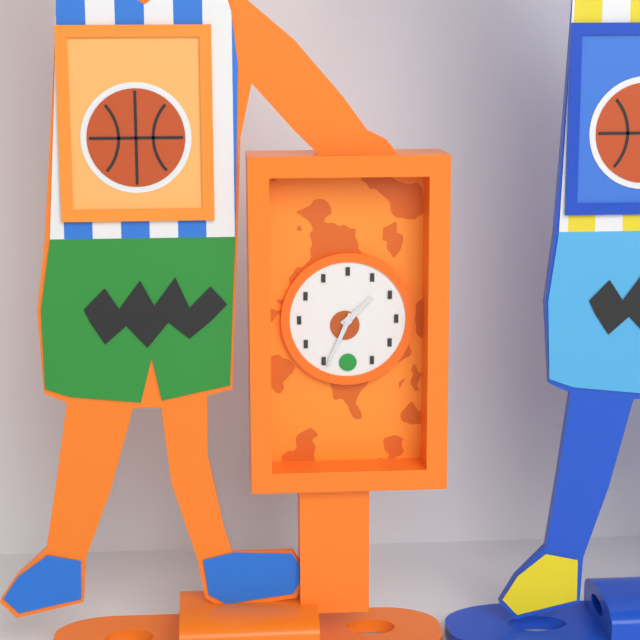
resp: 1h34
